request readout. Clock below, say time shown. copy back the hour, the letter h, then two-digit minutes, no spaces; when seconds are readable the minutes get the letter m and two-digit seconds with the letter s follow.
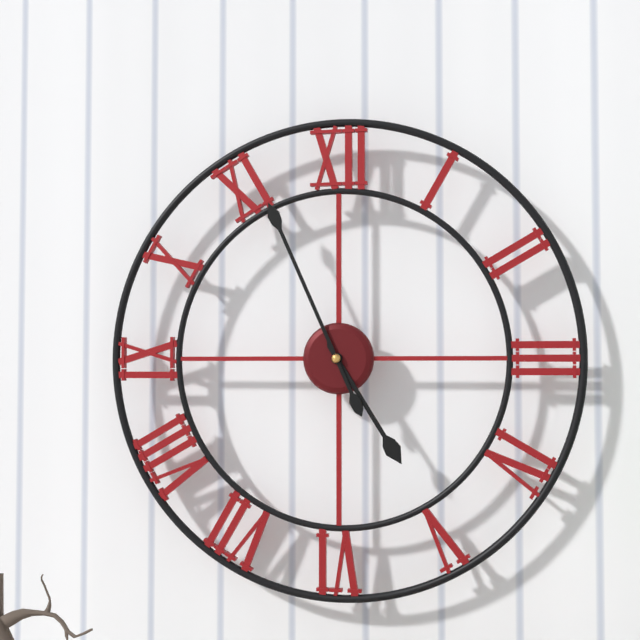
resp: 4h56
